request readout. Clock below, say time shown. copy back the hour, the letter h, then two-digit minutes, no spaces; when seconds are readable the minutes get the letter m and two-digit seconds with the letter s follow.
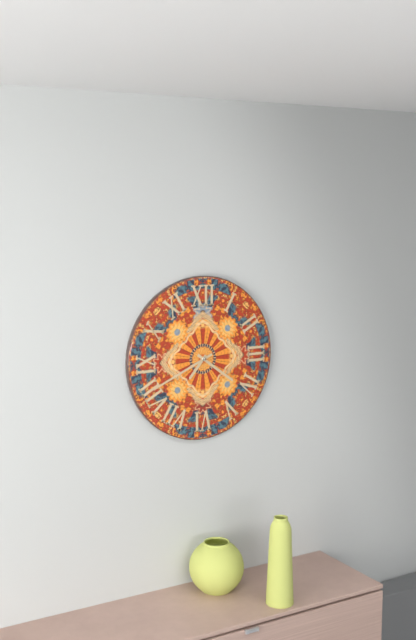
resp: 7h21m41s
